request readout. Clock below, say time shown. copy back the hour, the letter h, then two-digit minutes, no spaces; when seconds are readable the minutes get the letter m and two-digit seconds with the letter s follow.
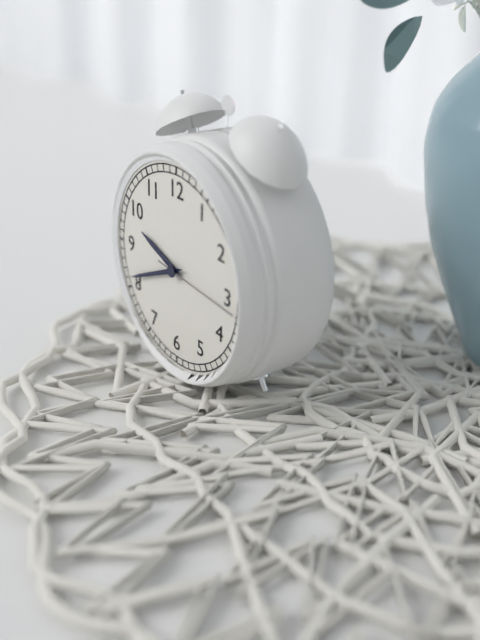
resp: 9h41m16s
